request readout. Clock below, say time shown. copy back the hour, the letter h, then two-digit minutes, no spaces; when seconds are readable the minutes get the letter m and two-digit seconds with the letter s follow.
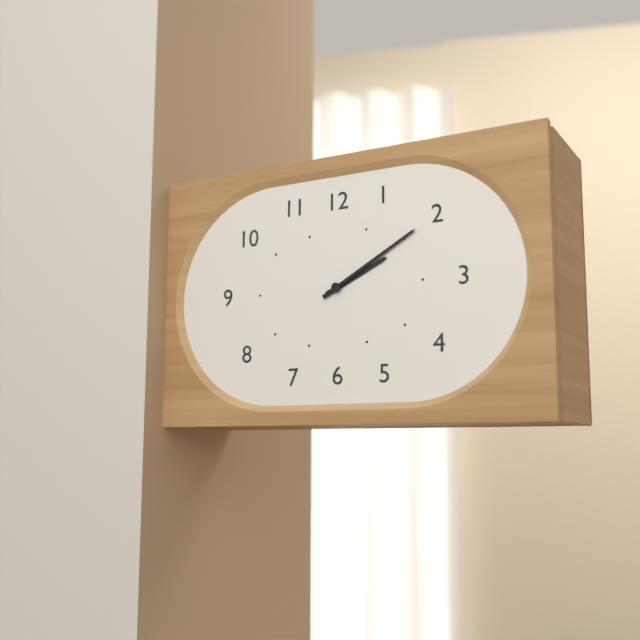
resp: 2h10
